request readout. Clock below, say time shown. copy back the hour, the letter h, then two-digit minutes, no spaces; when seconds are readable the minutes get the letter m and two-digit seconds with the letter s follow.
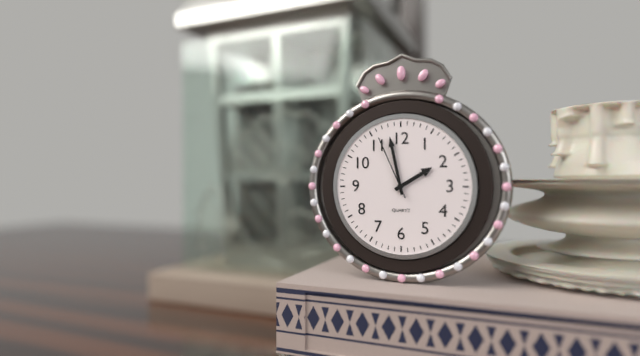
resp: 1h58m56s
